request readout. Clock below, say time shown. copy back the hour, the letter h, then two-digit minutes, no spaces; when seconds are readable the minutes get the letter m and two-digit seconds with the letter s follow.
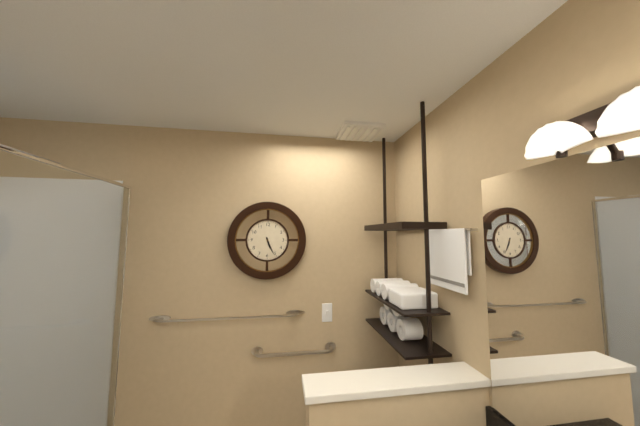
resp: 5h26
